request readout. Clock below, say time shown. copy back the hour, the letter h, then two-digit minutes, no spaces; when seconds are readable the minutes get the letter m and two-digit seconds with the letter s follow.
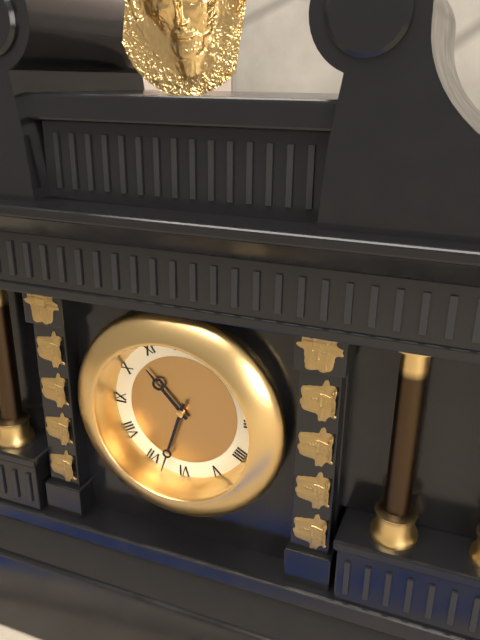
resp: 10h33
